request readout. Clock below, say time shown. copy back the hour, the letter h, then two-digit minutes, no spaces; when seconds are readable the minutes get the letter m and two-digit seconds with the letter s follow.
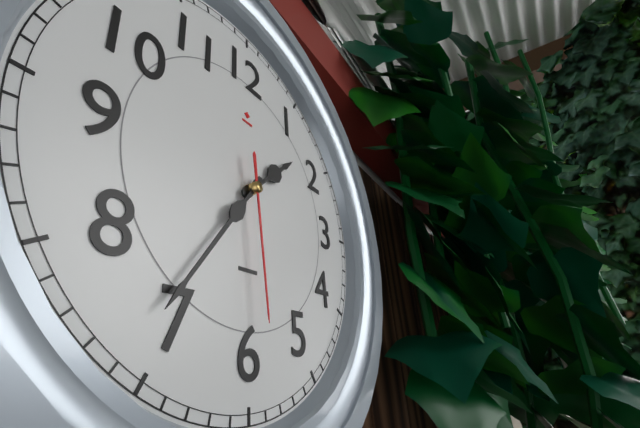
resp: 1h36m29s
